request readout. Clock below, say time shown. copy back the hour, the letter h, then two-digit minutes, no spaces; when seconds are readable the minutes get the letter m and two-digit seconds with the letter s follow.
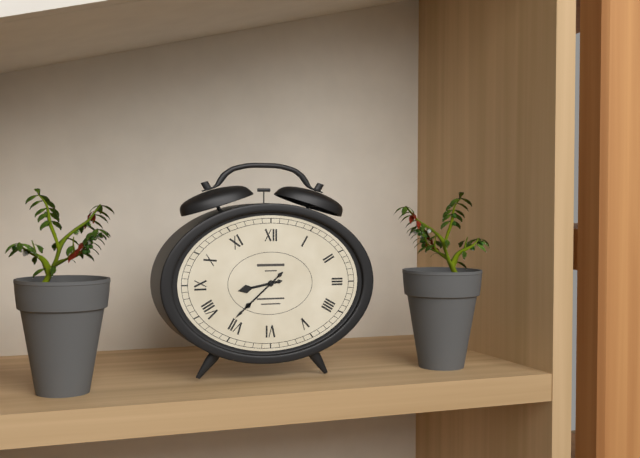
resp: 8h38
